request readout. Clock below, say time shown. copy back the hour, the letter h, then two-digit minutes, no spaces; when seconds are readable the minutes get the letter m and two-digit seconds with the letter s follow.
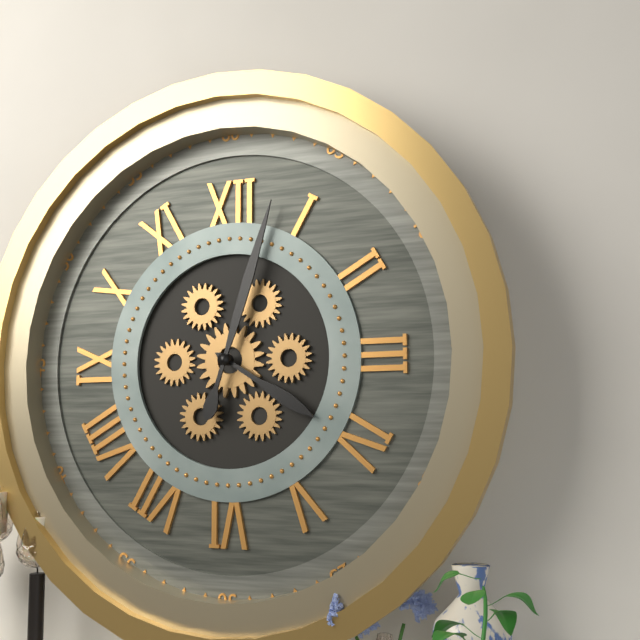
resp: 4h03
